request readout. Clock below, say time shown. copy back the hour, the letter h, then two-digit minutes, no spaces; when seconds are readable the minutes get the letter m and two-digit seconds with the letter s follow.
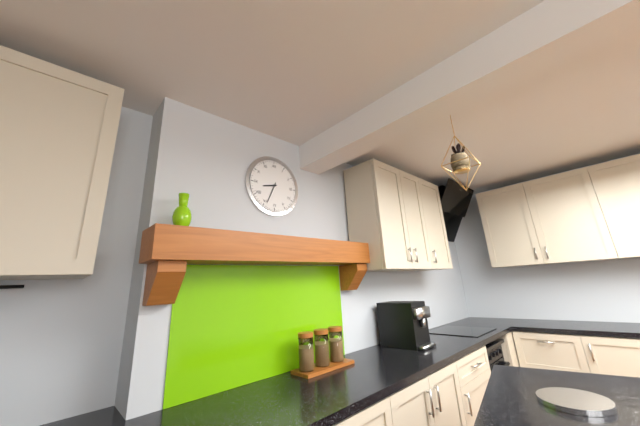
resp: 8h34
